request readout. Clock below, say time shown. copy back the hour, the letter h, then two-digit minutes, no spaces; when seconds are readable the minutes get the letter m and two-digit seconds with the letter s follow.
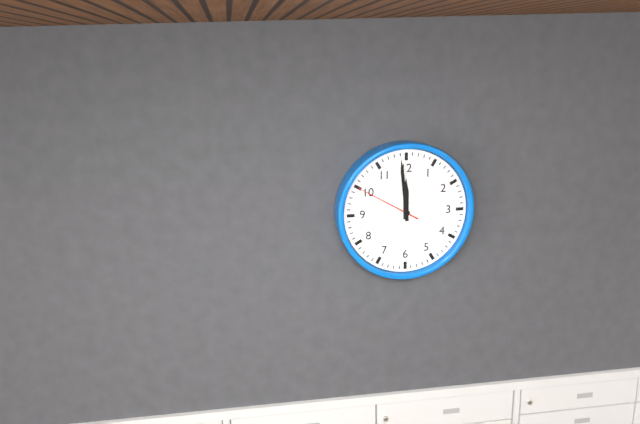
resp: 11h59m50s
